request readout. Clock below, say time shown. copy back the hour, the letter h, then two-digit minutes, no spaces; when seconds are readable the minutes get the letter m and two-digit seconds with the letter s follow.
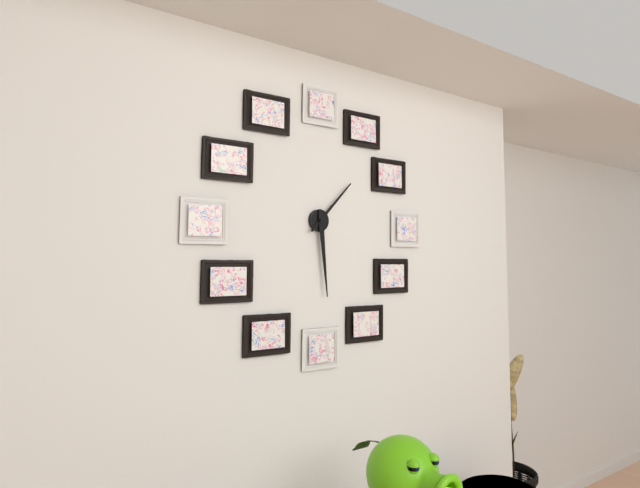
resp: 1h29
